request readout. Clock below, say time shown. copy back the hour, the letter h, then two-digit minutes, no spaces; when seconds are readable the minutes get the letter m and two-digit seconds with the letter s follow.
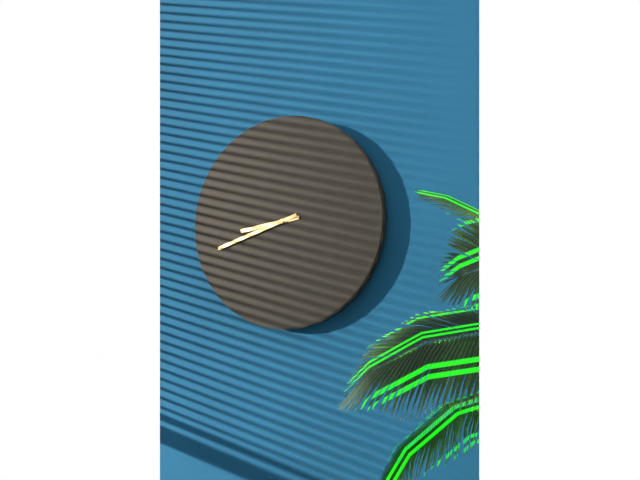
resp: 8h42
